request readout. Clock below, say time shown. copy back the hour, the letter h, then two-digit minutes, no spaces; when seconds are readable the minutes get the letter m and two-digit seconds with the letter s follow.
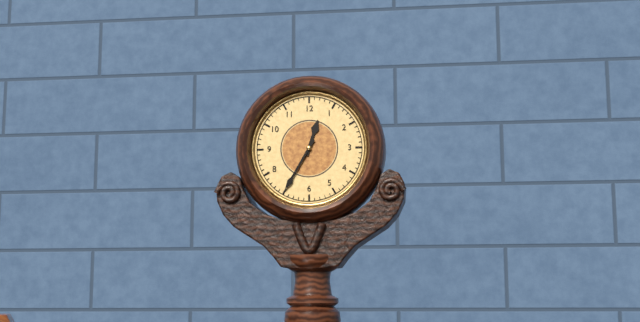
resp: 12h35
